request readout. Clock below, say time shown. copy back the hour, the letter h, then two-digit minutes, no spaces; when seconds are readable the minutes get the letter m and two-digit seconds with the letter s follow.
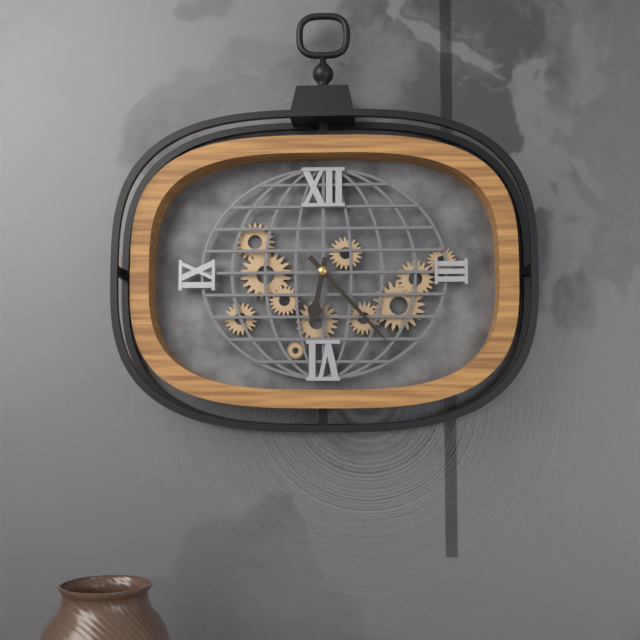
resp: 6h23
